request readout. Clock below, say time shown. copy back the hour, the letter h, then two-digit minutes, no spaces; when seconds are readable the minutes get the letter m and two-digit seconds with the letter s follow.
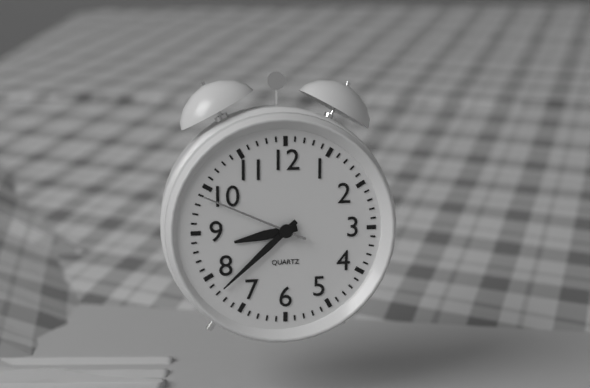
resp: 8h38m49s
